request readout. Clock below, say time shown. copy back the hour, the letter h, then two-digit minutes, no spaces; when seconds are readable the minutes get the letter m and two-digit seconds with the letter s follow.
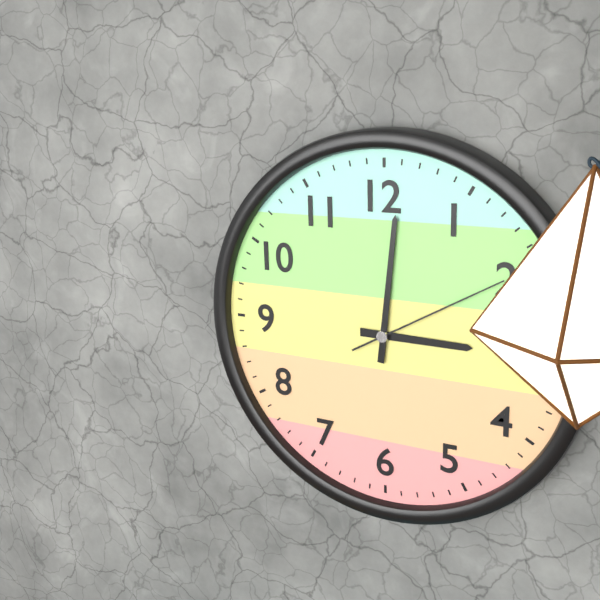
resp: 3h01m10s
